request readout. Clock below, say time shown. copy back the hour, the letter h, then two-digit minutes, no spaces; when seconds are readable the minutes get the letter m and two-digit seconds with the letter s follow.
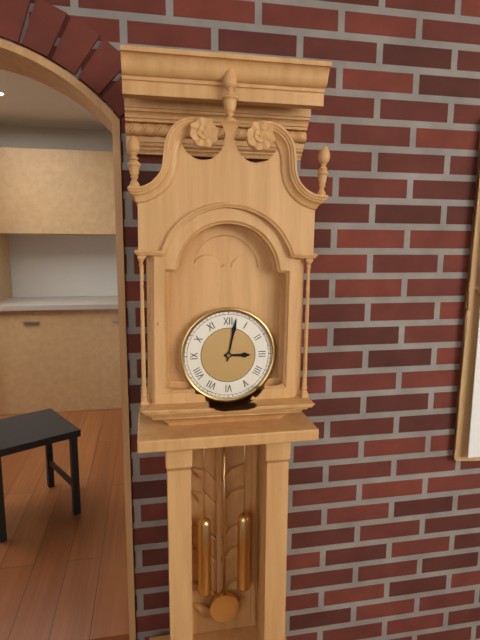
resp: 3h02
